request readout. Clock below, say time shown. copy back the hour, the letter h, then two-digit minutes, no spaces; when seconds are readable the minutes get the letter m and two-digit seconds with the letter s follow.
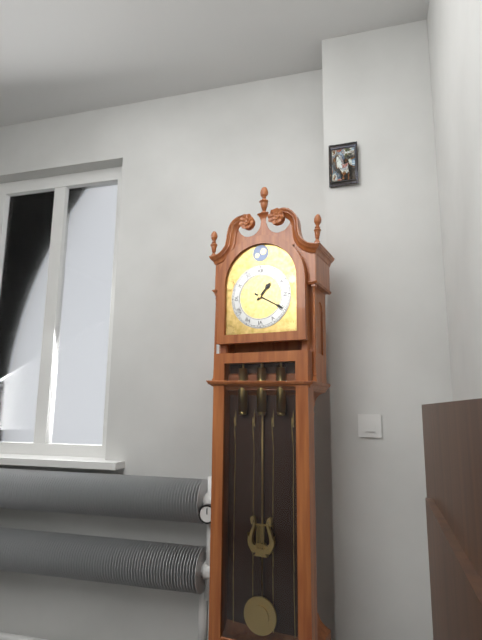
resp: 1h20
